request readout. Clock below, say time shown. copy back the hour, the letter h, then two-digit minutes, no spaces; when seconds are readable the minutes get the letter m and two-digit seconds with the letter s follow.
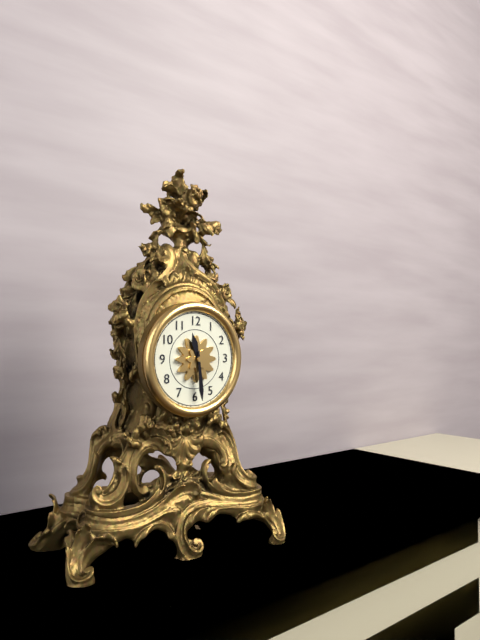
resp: 11h29
